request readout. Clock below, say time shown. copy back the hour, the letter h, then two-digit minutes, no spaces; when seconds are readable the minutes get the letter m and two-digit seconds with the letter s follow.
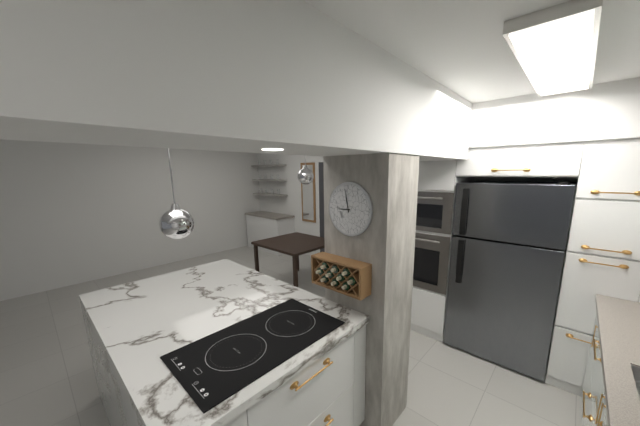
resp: 8h58
